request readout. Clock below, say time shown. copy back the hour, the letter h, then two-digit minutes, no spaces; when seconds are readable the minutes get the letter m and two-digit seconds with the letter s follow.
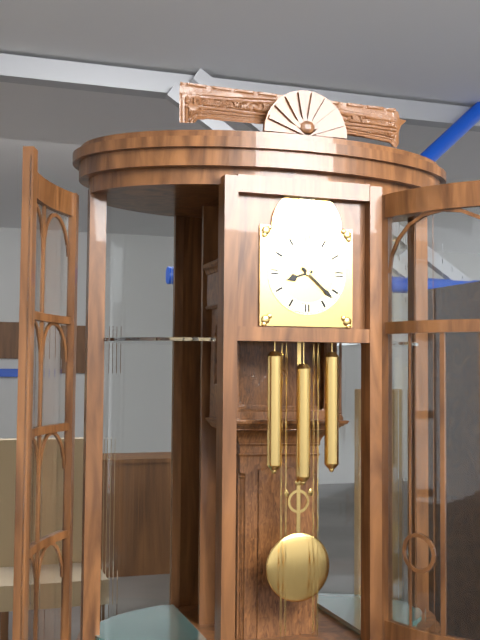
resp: 8h22
